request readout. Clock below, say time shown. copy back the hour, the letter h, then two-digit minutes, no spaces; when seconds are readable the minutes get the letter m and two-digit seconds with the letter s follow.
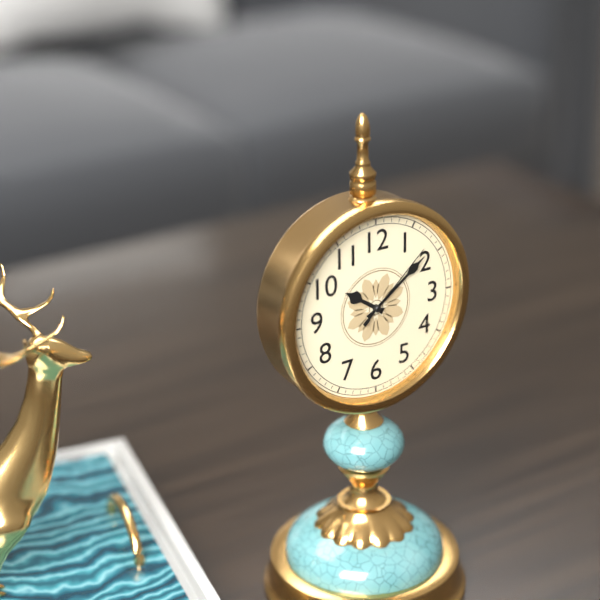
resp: 10h09m08s
